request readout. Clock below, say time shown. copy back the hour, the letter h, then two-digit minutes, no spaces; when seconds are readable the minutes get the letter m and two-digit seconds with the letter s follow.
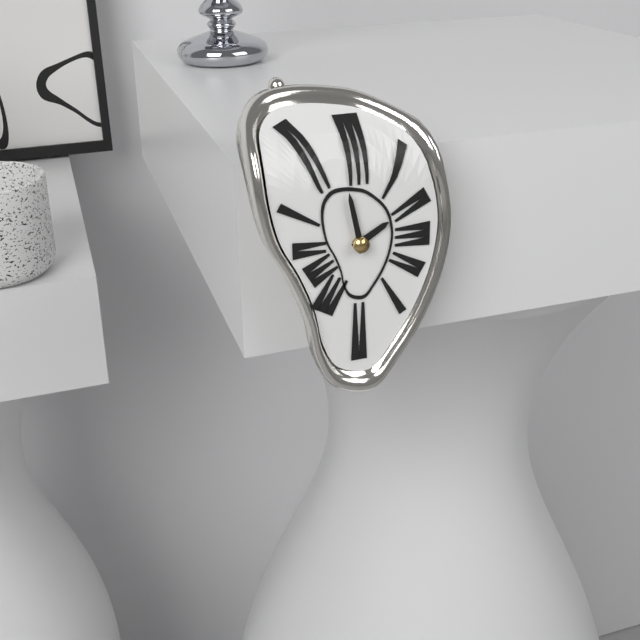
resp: 1h58
